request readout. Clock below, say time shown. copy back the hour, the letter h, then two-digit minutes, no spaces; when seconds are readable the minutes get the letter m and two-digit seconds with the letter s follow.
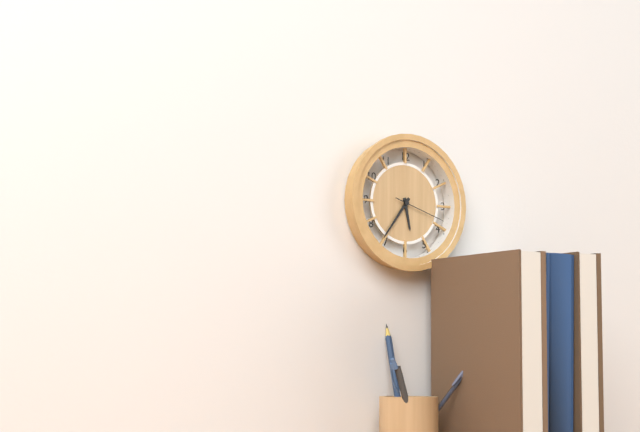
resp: 5h36m18s
